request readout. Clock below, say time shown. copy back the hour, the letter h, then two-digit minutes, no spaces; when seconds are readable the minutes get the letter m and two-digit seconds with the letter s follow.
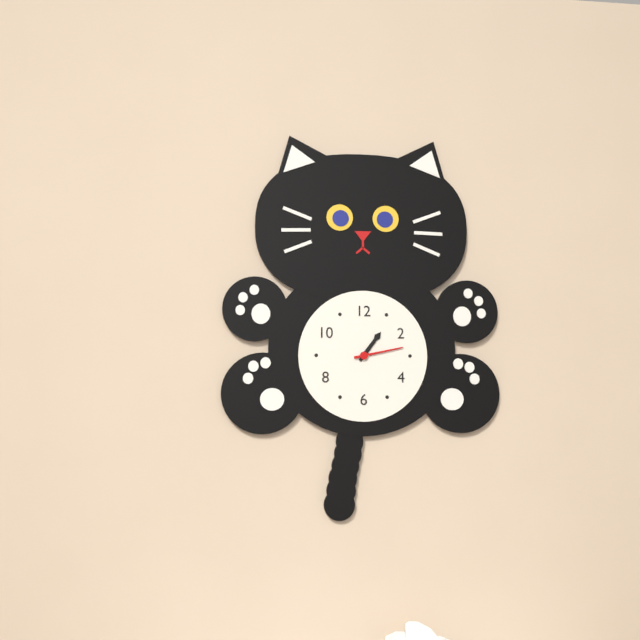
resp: 1h13
